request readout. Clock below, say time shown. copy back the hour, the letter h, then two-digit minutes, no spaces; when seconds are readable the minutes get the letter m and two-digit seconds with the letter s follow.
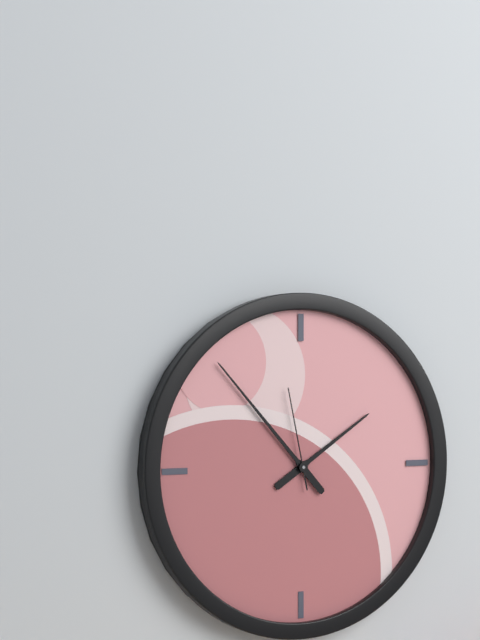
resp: 1h53m58s
